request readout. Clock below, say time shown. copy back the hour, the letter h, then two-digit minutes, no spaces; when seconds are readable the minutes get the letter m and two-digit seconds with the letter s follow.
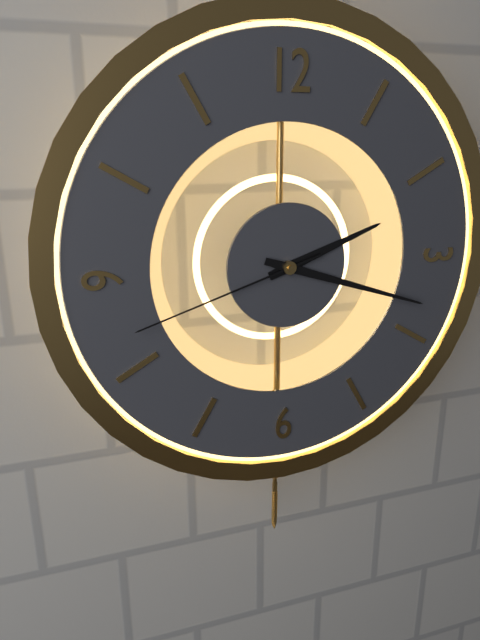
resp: 2h18m42s
